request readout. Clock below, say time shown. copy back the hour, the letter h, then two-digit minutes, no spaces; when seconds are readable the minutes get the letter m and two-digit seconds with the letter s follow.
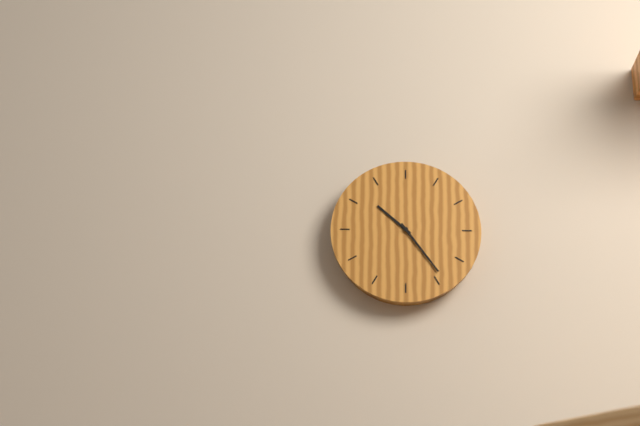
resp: 10h24
